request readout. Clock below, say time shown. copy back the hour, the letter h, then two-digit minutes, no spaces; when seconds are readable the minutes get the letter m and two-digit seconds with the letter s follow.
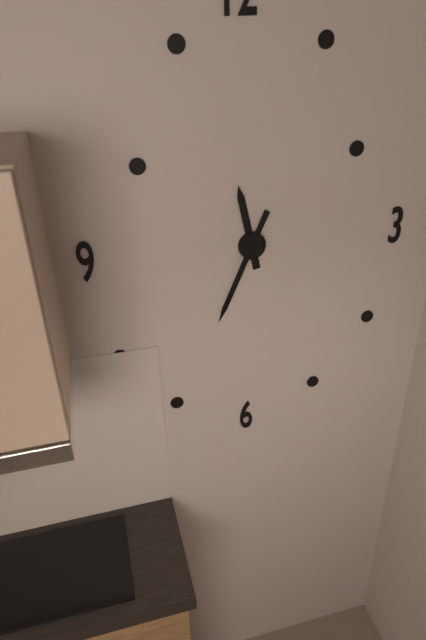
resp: 11h34
